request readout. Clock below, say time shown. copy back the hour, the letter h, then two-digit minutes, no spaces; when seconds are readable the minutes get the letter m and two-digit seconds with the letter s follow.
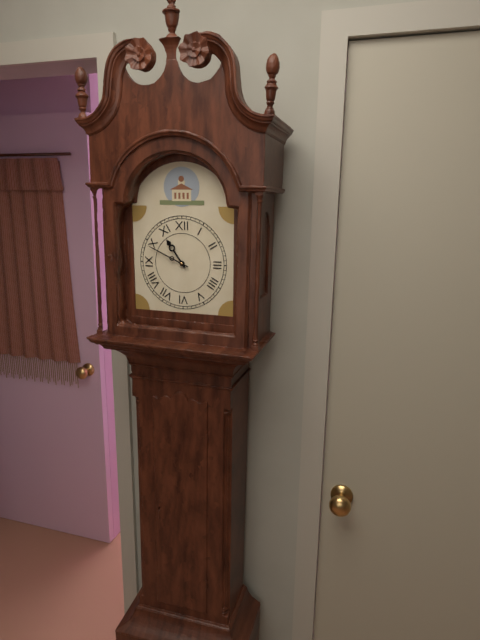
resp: 10h49
